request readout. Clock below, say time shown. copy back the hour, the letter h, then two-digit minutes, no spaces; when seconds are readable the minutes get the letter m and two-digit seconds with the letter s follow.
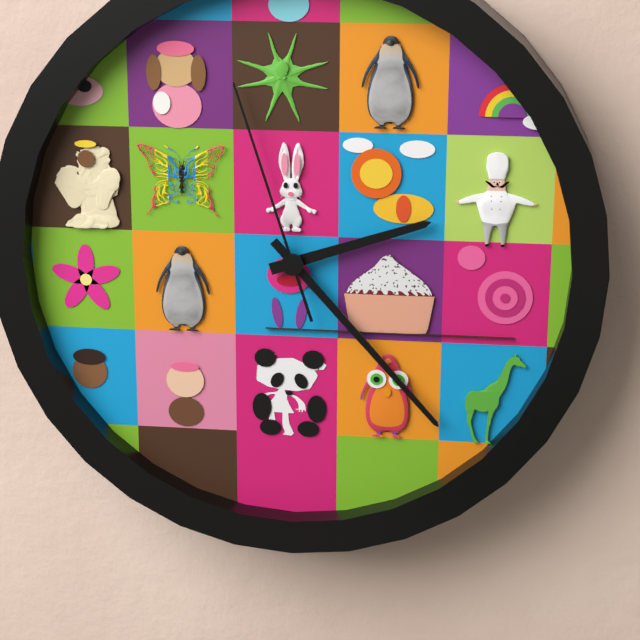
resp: 2h23m57s
